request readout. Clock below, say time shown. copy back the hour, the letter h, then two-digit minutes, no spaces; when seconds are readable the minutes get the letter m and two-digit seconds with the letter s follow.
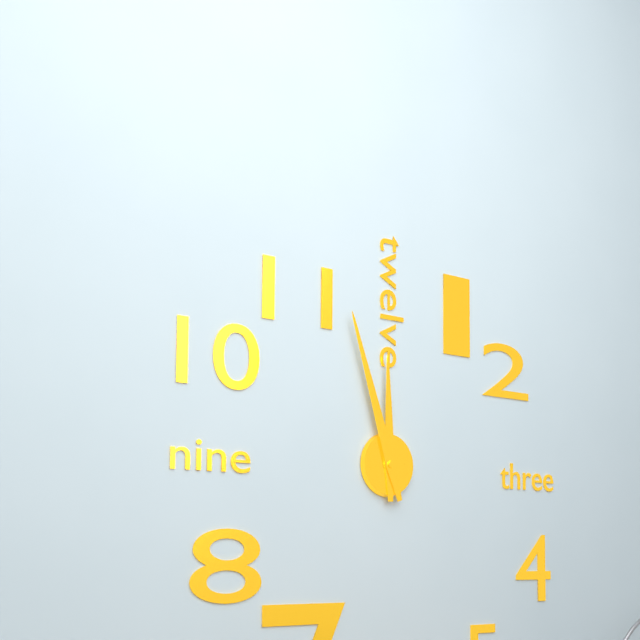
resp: 11h57
